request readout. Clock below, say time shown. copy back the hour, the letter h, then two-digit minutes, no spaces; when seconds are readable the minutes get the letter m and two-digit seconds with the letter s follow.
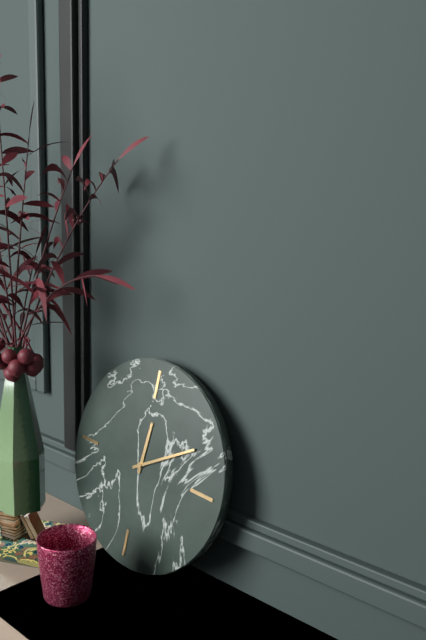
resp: 12h10
